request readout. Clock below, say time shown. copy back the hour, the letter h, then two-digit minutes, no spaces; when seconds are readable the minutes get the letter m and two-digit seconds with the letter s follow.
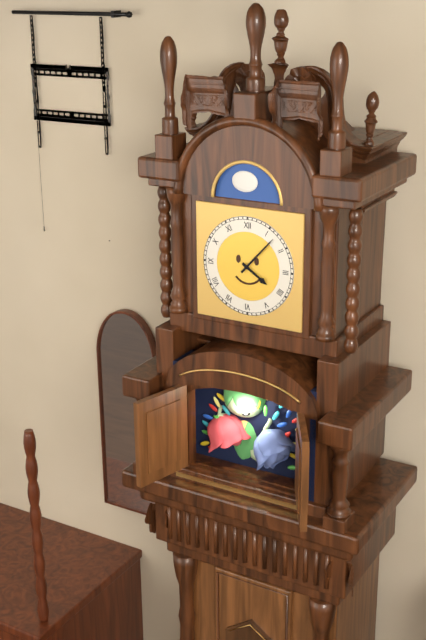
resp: 4h07
